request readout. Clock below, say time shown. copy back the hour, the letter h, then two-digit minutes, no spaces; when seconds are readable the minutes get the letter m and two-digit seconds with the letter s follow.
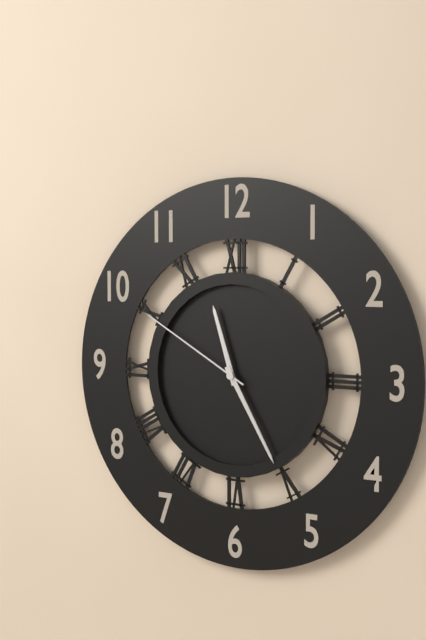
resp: 11h25m50s
